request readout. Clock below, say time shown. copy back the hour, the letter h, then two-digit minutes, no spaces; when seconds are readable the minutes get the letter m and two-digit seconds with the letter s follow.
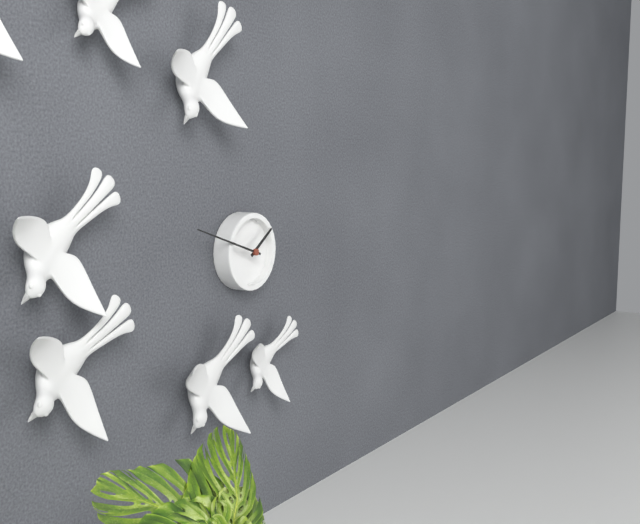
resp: 1h48
